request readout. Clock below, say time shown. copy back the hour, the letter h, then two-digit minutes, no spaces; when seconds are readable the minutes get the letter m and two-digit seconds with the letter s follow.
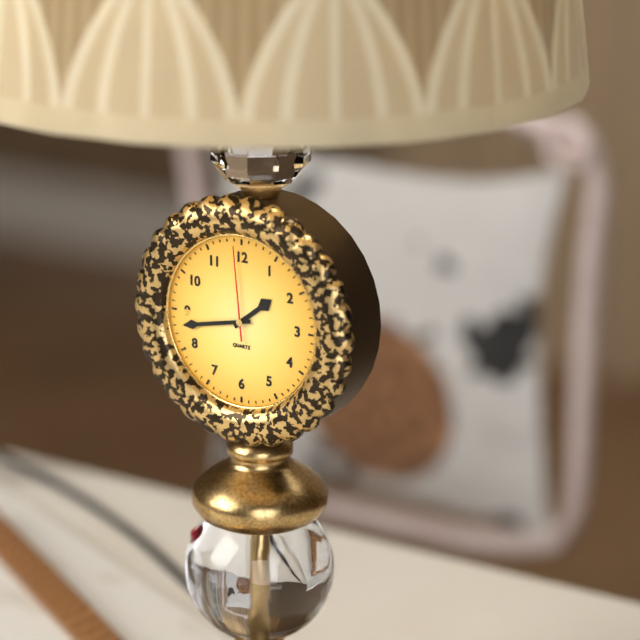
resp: 1h43m59s
